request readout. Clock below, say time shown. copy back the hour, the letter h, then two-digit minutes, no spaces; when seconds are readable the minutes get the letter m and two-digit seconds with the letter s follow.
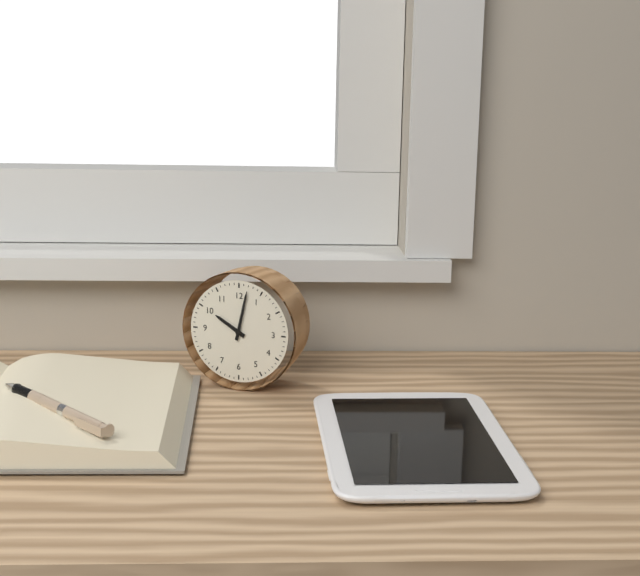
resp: 10h02
